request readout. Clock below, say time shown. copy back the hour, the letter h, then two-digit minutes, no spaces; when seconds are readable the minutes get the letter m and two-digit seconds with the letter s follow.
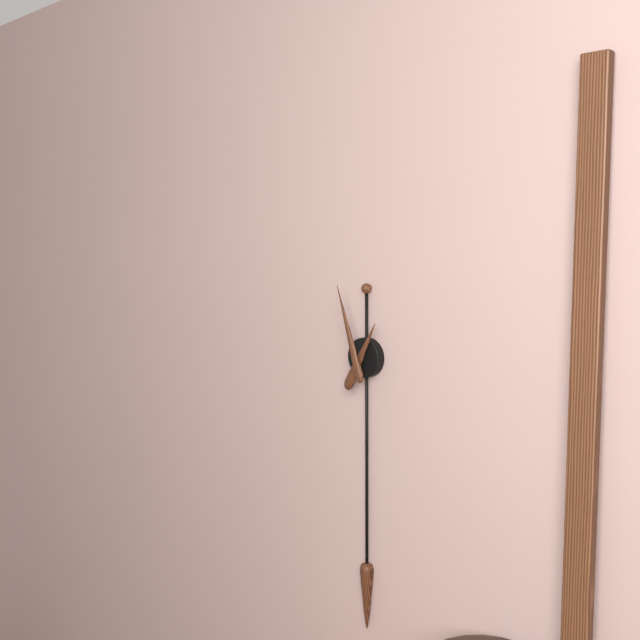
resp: 12h57
